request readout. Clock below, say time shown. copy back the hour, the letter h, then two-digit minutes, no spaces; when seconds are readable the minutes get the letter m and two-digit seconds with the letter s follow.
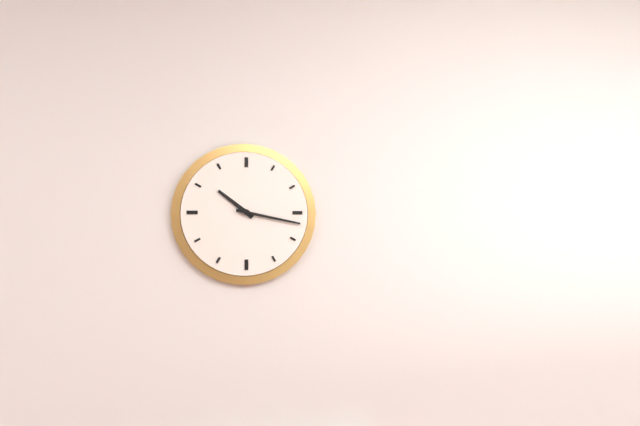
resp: 10h17
